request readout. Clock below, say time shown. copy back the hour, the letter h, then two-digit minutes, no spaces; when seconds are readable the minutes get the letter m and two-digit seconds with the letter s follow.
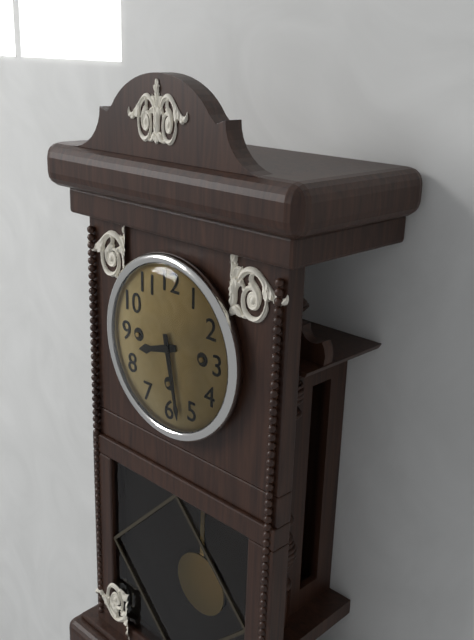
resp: 8h28
